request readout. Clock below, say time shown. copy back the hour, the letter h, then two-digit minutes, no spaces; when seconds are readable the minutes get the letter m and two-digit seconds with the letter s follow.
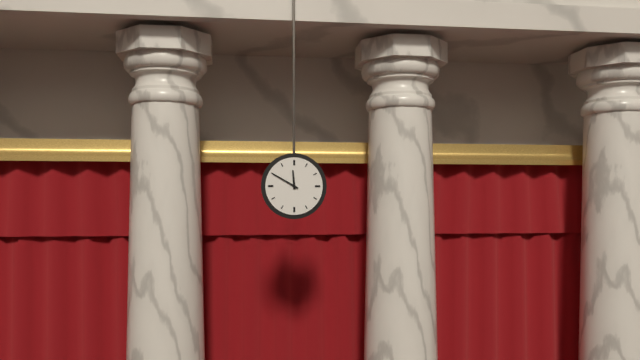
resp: 11h50
